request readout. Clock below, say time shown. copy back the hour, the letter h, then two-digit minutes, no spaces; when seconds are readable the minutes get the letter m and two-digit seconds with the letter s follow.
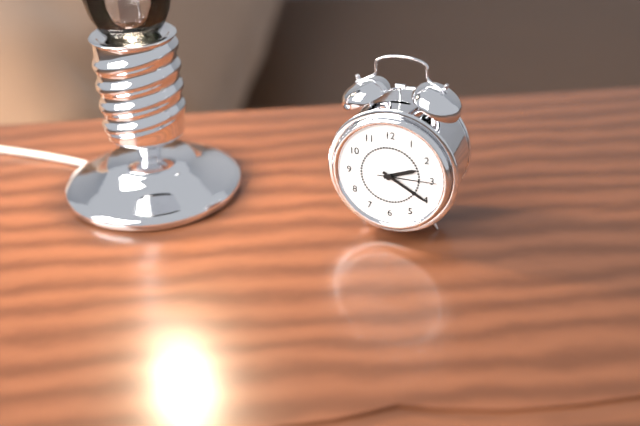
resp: 2h20m15s
